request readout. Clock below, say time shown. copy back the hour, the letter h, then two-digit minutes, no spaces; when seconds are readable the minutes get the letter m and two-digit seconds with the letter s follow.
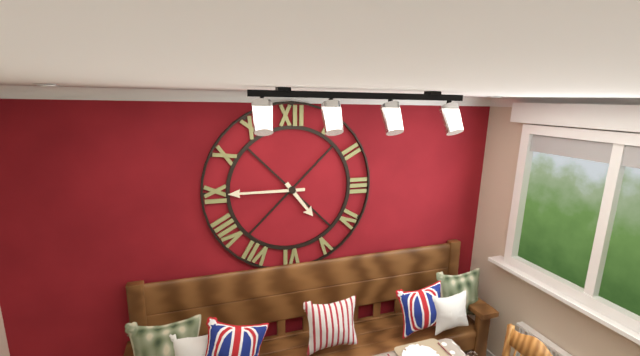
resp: 4h45
